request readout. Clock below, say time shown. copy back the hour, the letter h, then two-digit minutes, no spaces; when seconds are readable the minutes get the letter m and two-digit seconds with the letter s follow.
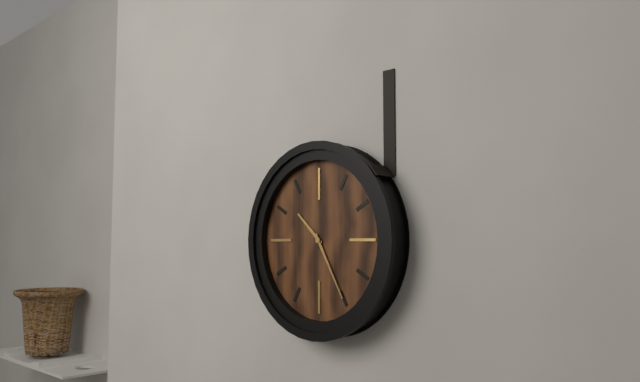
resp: 10h25
